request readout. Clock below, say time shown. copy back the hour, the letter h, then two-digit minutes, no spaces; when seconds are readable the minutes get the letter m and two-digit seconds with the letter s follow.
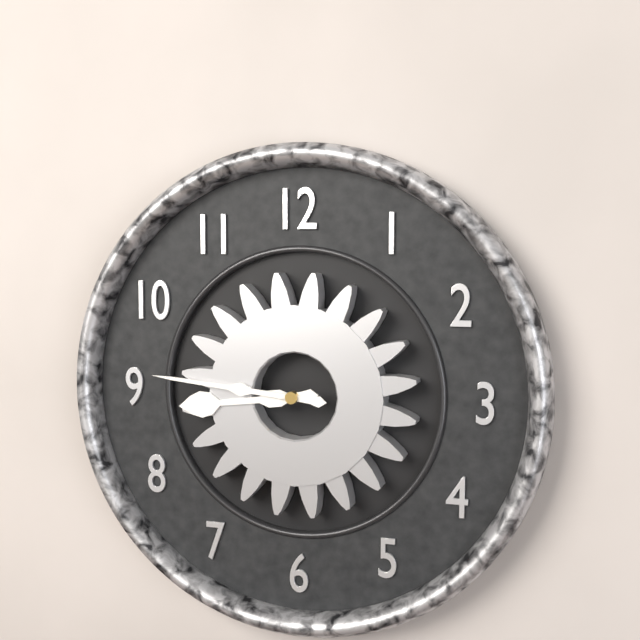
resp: 8h46
